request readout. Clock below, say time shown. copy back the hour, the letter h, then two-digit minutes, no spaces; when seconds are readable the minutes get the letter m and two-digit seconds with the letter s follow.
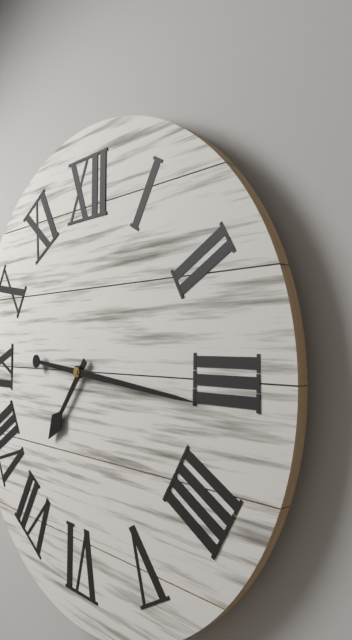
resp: 7h16
